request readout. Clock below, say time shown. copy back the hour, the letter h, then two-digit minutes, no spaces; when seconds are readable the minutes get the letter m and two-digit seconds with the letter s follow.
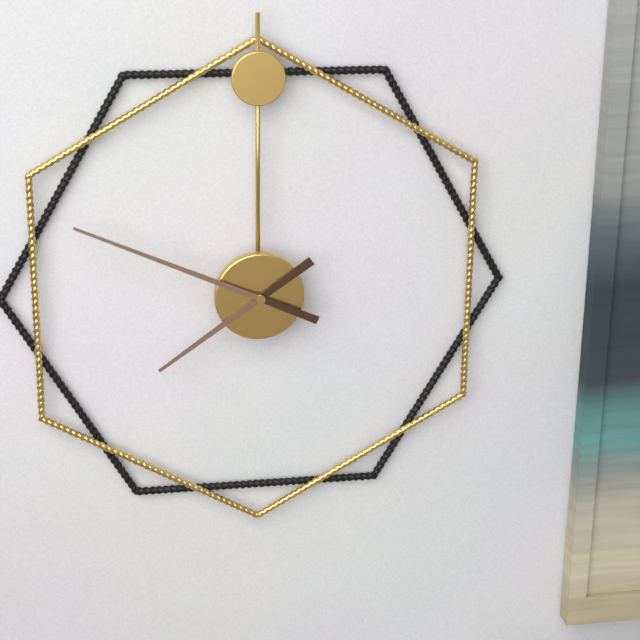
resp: 7h49
